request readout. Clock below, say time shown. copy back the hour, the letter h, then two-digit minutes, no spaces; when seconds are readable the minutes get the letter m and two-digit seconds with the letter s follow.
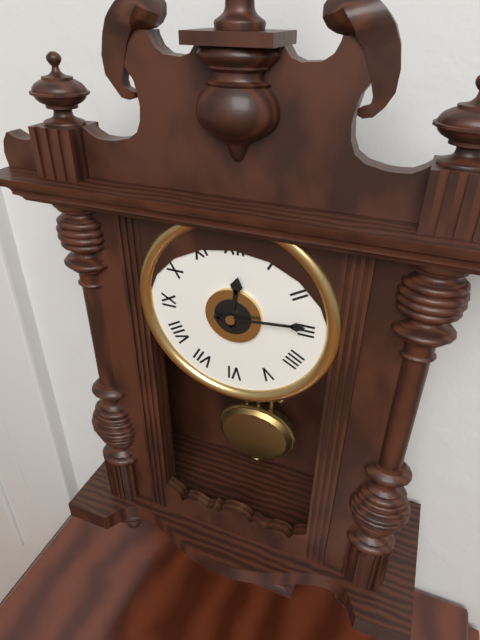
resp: 12h14
